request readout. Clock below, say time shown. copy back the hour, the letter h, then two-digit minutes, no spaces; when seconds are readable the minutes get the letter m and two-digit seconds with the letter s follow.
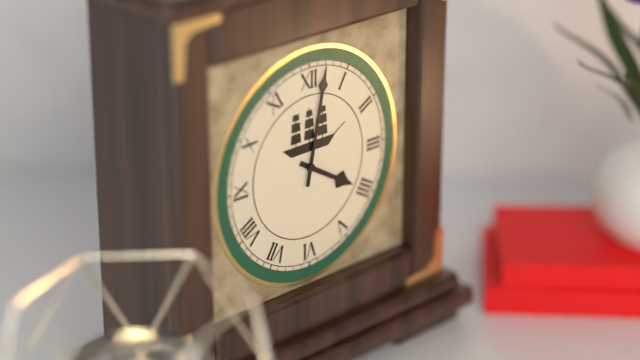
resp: 4h02
